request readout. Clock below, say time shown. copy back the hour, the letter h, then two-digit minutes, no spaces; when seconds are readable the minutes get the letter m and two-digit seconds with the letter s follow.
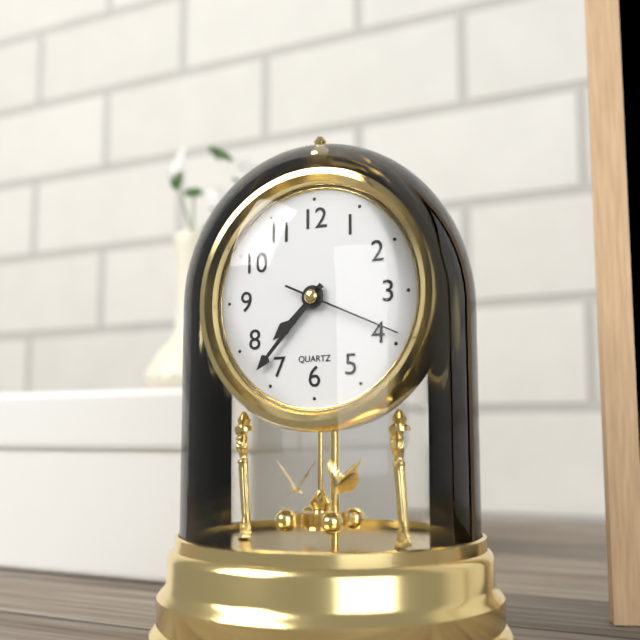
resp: 7h37m19s
